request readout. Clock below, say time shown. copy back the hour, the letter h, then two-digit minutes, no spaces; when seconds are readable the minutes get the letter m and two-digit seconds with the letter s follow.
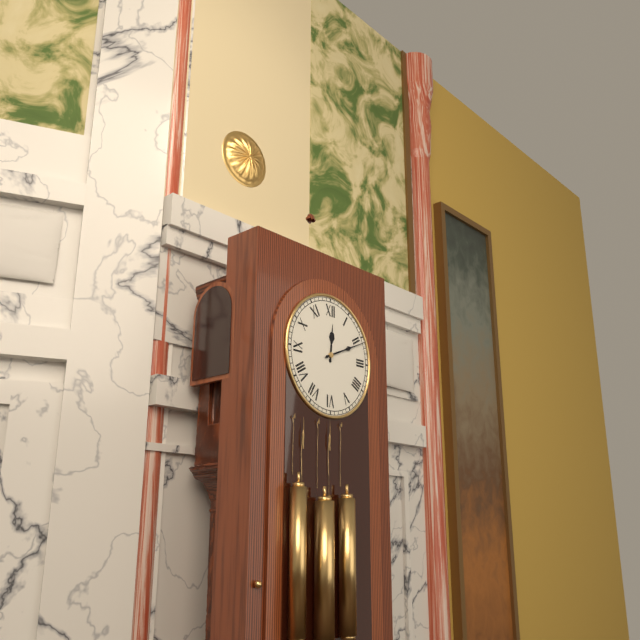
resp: 12h11
